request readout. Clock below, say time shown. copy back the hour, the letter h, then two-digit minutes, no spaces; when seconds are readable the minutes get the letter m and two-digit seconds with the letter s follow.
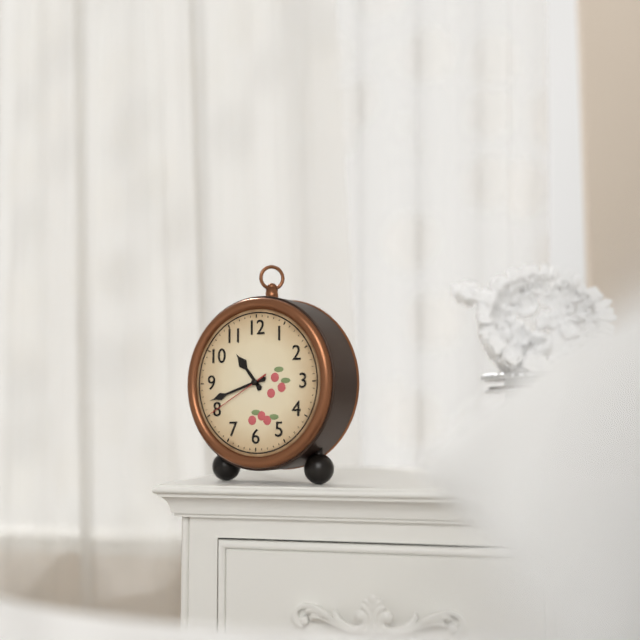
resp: 10h42m40s
